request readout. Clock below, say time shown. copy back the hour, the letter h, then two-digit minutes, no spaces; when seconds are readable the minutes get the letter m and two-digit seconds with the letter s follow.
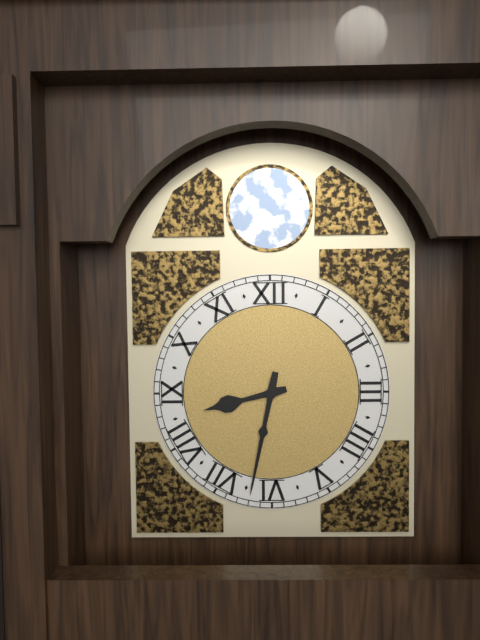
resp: 8h32
